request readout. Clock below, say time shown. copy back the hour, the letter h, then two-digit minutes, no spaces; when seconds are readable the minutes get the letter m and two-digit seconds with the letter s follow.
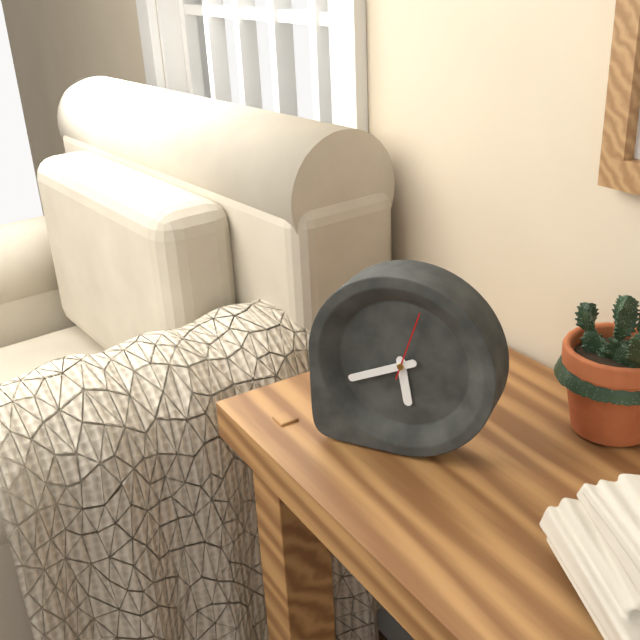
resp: 5h41m03s
